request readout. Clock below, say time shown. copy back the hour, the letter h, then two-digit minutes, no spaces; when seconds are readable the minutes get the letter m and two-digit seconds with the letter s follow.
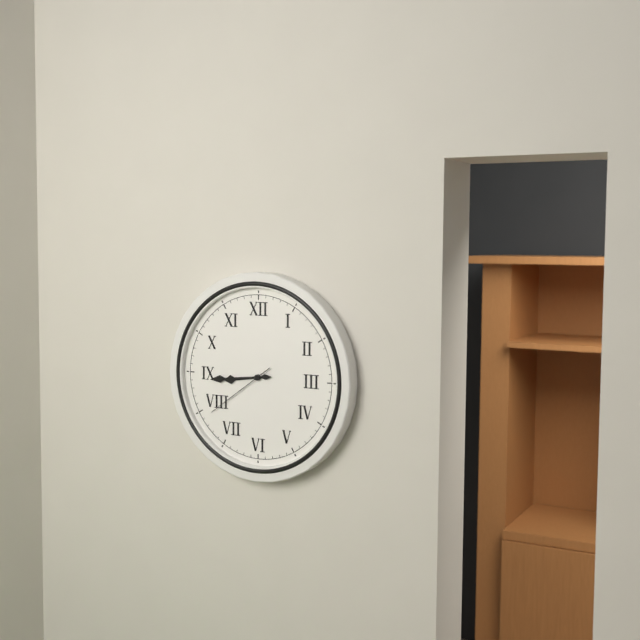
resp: 8h44m39s
